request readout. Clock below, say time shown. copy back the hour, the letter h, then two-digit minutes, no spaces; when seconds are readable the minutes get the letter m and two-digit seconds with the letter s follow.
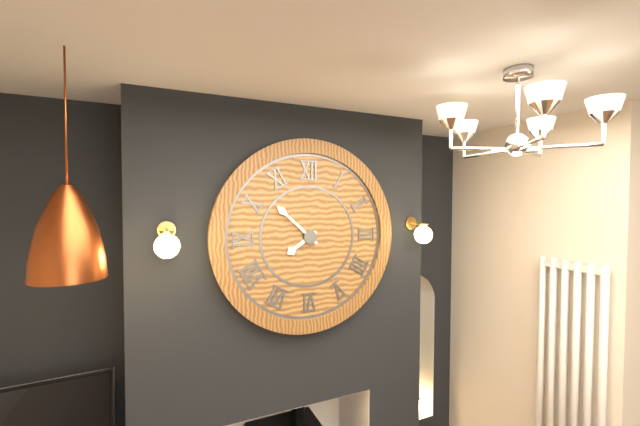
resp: 7h52
